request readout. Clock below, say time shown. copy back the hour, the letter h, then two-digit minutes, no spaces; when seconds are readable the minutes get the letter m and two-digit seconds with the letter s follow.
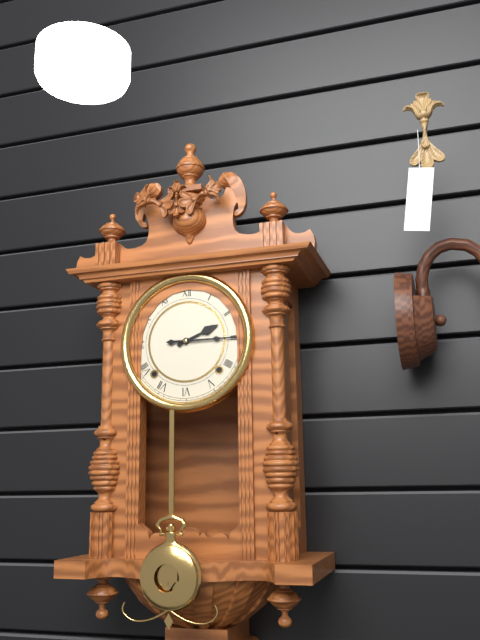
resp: 2h15
